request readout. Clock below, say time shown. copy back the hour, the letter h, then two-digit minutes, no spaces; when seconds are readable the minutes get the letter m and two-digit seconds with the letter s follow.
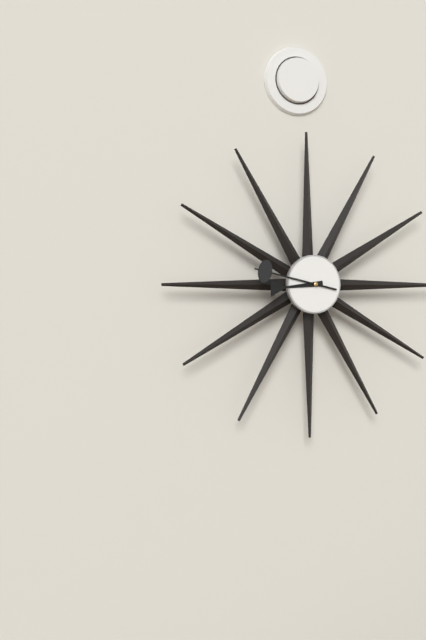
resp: 8h47
